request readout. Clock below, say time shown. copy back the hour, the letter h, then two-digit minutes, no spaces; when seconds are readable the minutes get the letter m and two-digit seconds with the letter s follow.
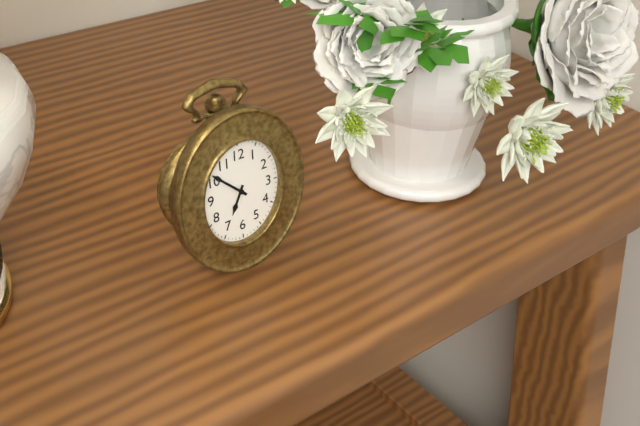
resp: 6h52
